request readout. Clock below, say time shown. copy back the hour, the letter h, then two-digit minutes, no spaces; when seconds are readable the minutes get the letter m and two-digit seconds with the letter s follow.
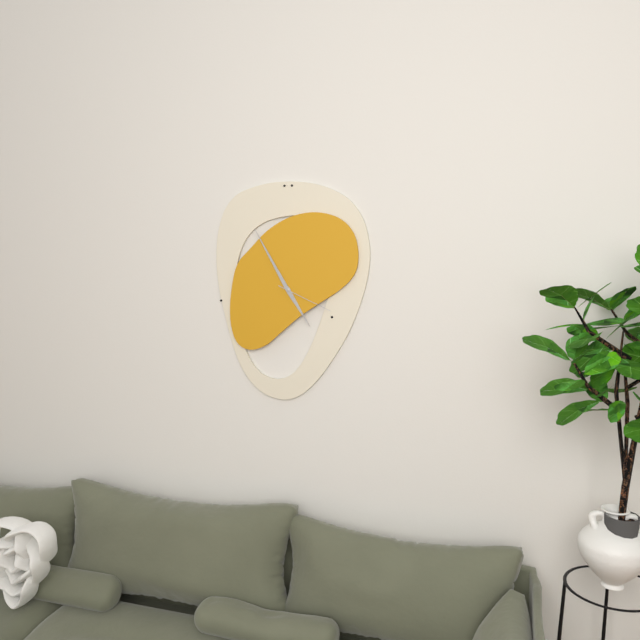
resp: 4h55m19s
